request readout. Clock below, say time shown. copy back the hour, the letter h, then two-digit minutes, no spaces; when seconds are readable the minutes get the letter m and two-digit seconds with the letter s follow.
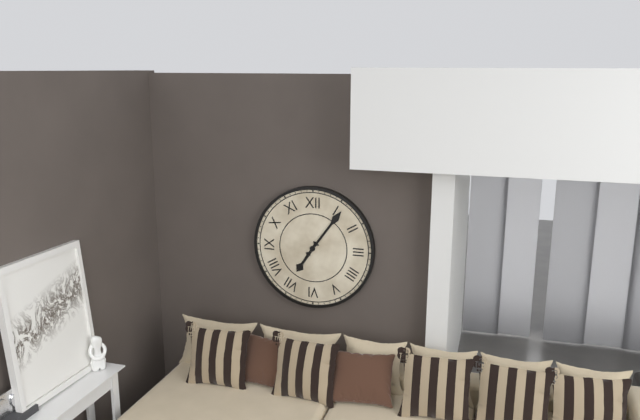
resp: 7h06
